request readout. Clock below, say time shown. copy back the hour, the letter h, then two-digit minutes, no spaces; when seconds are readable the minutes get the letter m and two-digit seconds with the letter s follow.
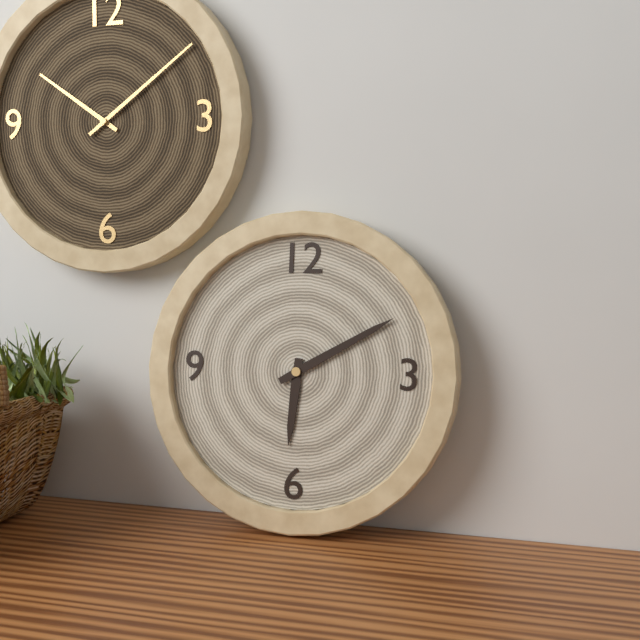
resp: 6h10
